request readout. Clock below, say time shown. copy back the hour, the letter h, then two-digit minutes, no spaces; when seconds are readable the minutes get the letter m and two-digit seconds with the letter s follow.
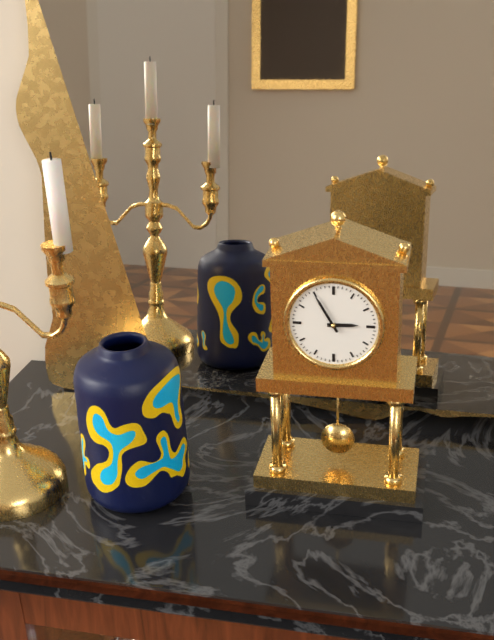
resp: 2h55
